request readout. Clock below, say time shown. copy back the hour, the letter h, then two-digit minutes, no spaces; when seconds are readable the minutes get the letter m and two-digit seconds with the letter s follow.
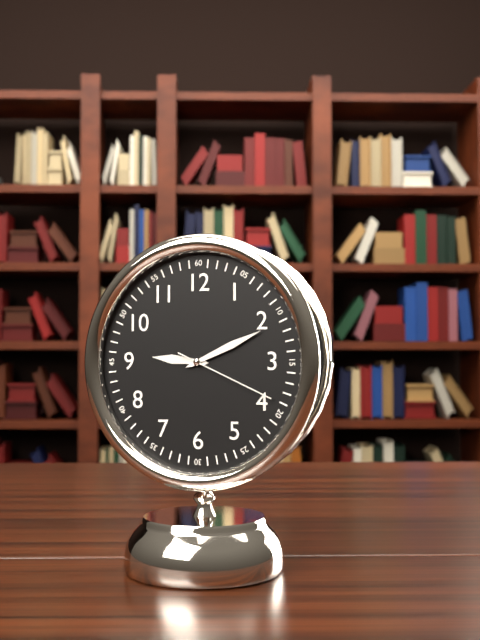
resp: 9h11m19s
